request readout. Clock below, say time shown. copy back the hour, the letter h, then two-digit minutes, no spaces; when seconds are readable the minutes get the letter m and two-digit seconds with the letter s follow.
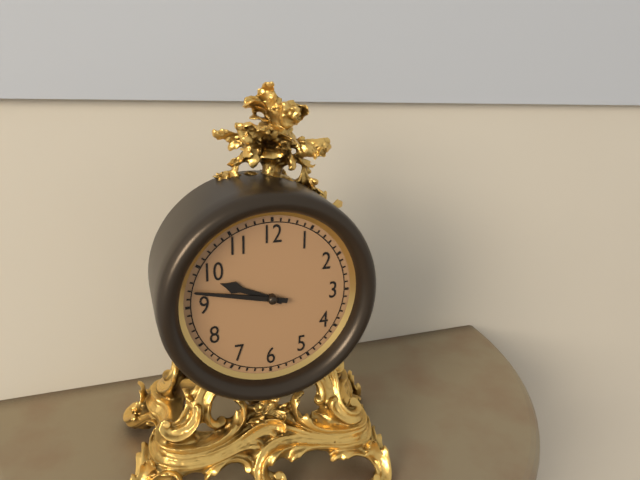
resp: 9h47
